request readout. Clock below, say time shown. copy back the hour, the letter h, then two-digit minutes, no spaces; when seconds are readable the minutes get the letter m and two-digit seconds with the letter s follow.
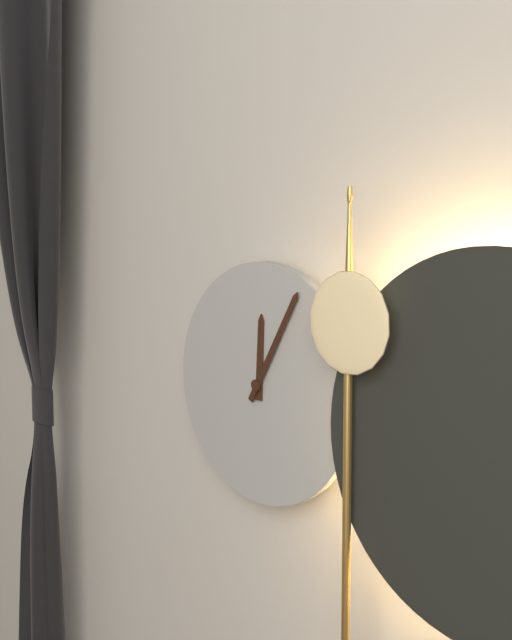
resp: 12h05
